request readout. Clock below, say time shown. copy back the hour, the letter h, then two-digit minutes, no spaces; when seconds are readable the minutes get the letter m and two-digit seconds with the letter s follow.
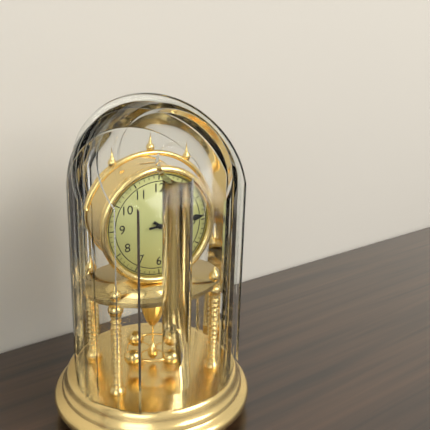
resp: 4h14
